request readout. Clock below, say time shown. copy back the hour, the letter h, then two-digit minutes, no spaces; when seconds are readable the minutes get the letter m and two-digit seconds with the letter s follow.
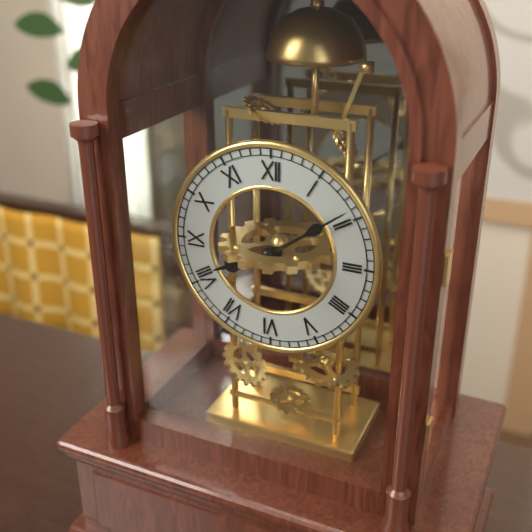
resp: 8h09
